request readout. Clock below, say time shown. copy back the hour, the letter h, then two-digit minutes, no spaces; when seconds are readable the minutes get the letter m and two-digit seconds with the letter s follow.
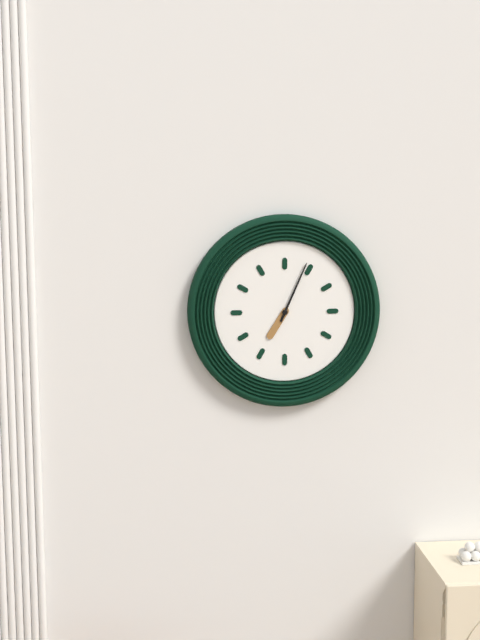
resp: 7h04
